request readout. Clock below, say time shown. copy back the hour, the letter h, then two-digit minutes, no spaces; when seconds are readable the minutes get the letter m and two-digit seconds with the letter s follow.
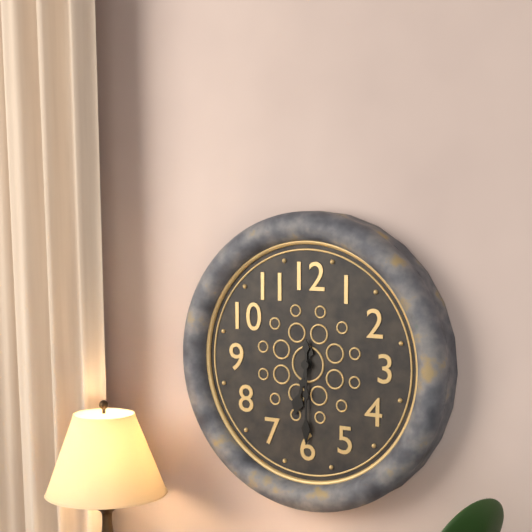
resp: 6h30
